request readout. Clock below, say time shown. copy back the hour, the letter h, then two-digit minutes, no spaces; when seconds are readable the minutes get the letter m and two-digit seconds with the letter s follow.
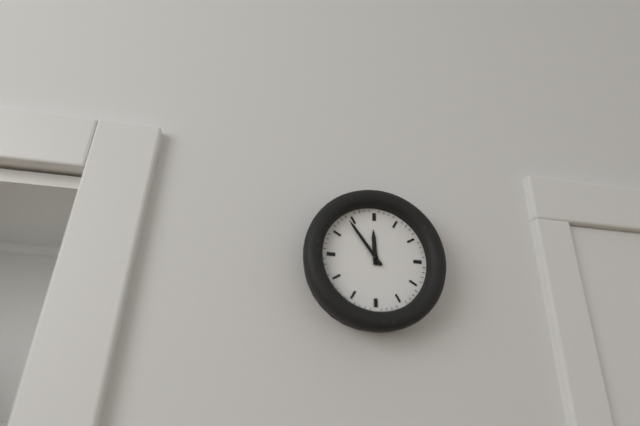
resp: 11h54
